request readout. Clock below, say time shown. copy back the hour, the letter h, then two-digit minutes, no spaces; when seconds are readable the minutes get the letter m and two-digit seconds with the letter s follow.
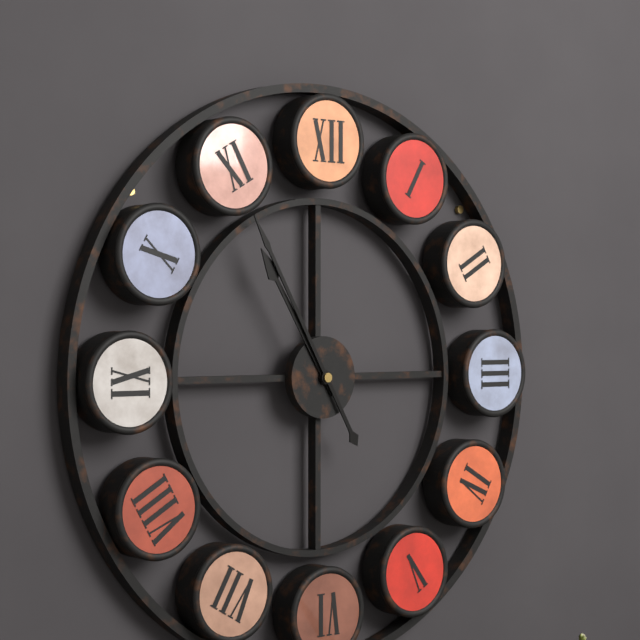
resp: 10h55
